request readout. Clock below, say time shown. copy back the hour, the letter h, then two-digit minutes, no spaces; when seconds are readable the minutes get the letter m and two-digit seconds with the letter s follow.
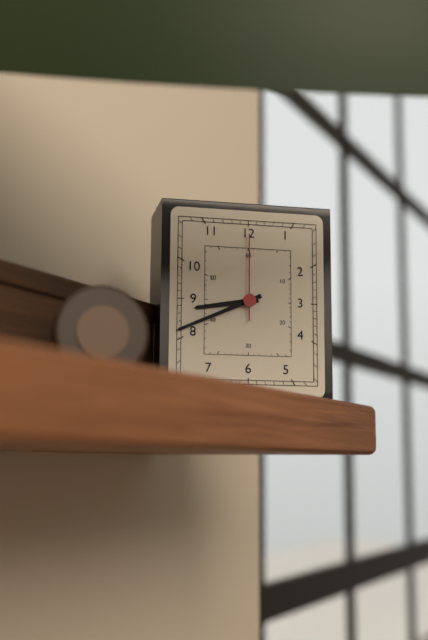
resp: 8h41m00s
